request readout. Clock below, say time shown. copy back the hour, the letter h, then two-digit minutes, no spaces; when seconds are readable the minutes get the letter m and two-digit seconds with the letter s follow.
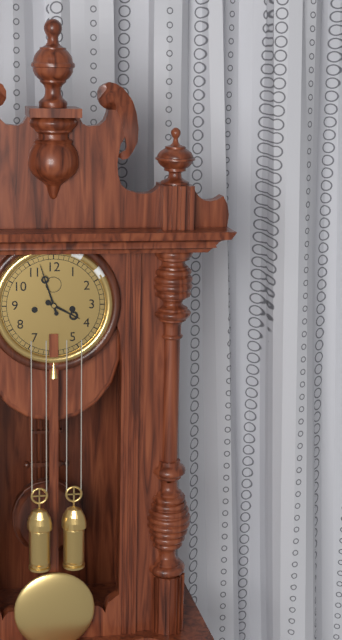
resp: 3h57
